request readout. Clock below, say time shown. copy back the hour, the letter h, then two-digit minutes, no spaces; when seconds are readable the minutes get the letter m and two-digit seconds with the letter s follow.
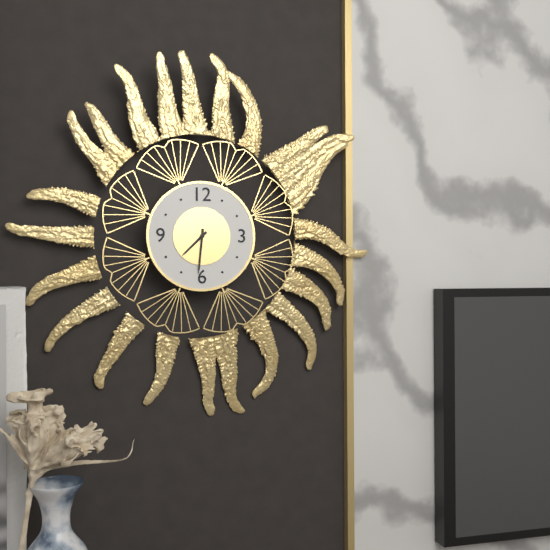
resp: 7h31
